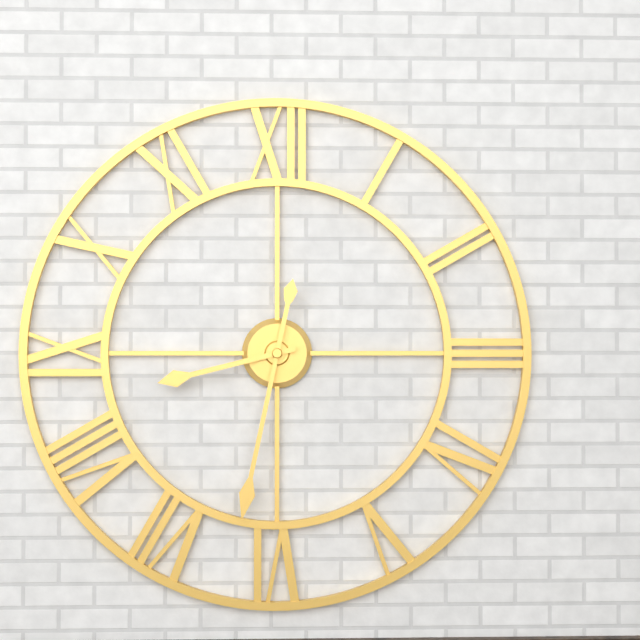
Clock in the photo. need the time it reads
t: 8:32
